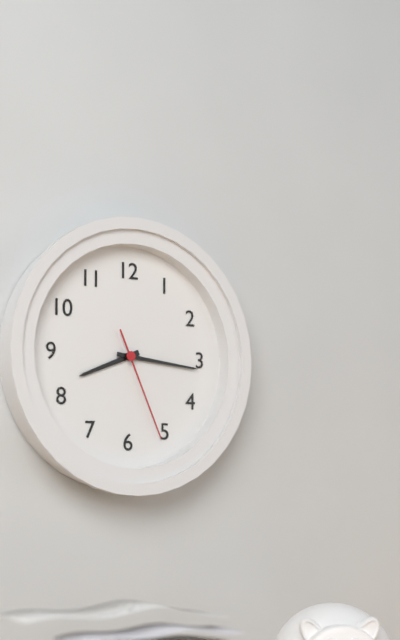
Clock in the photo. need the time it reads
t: 8:16:26
